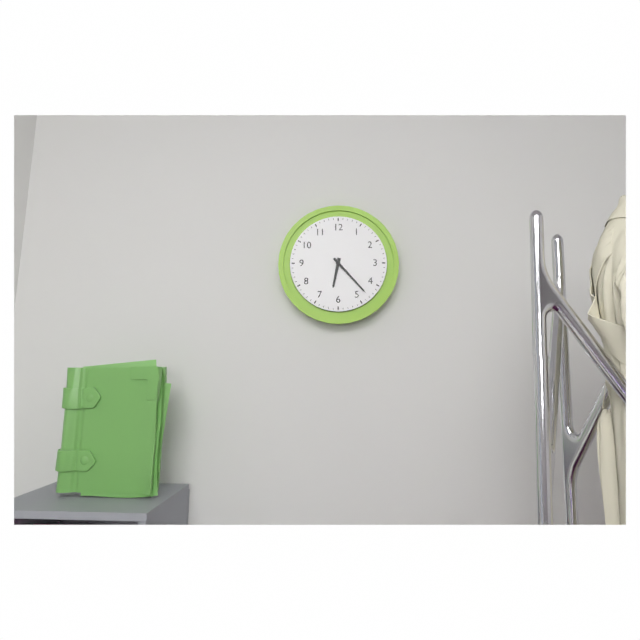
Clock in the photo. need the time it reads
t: 6:23
